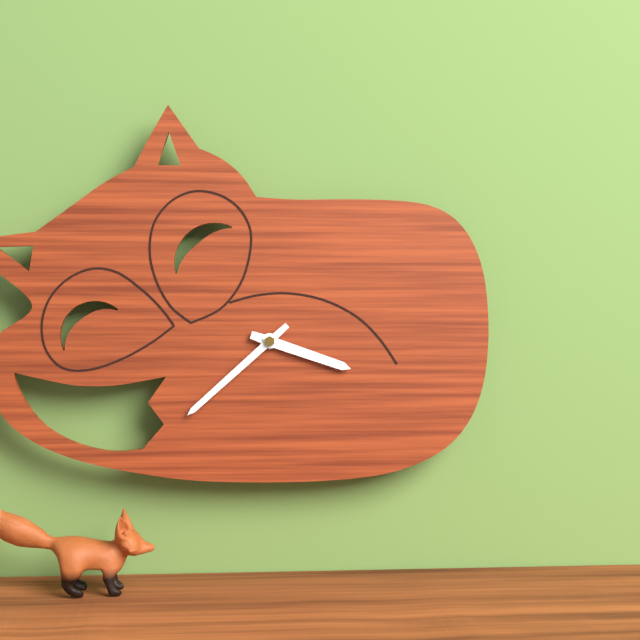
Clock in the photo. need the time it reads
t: 3:38
